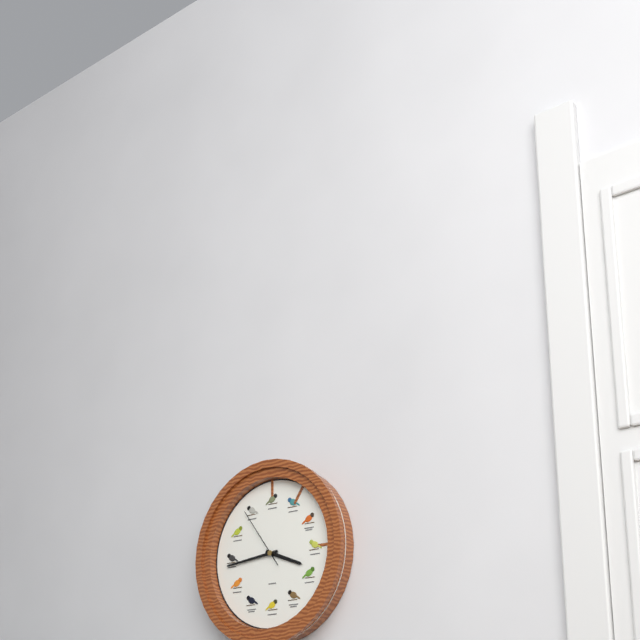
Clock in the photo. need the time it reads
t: 3:44:54
